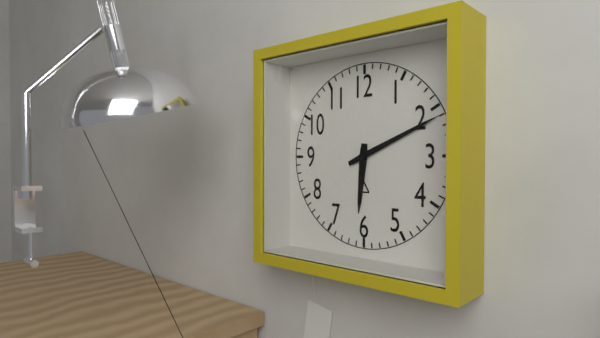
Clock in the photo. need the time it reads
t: 6:11
